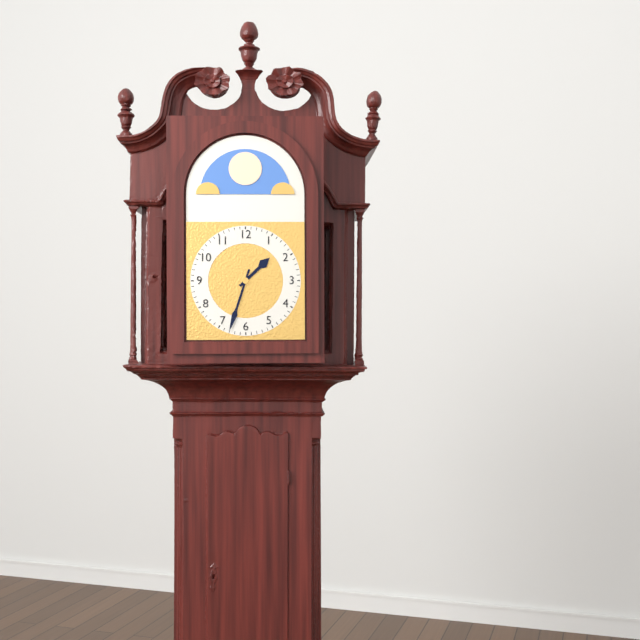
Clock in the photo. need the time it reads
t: 1:33
